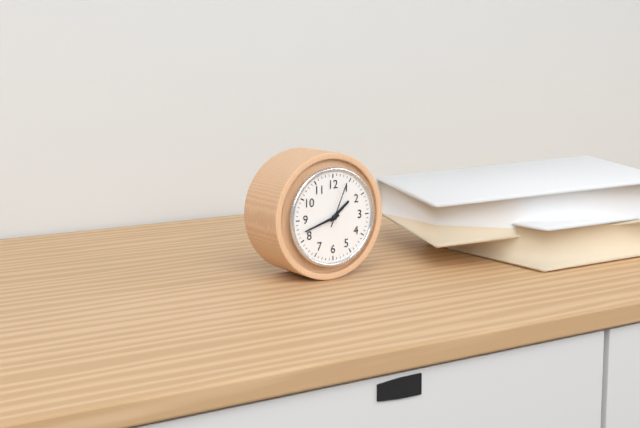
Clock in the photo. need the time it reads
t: 1:42
